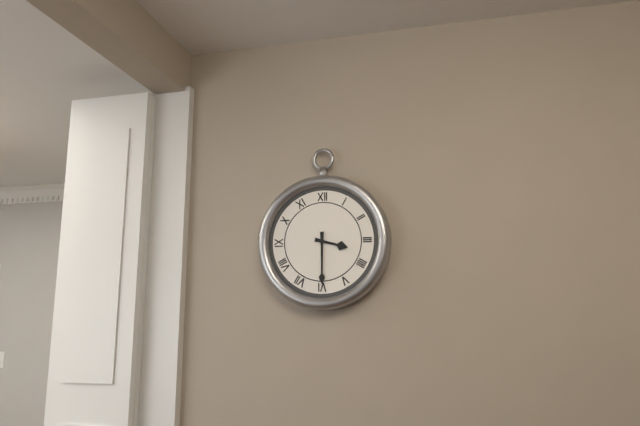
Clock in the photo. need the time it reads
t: 3:30
